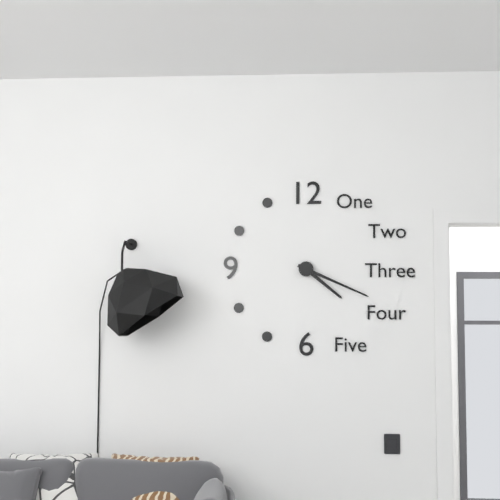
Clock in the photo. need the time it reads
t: 4:19
